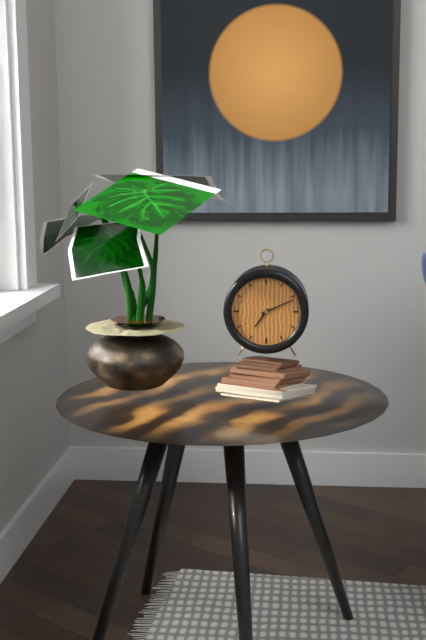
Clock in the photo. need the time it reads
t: 7:11
